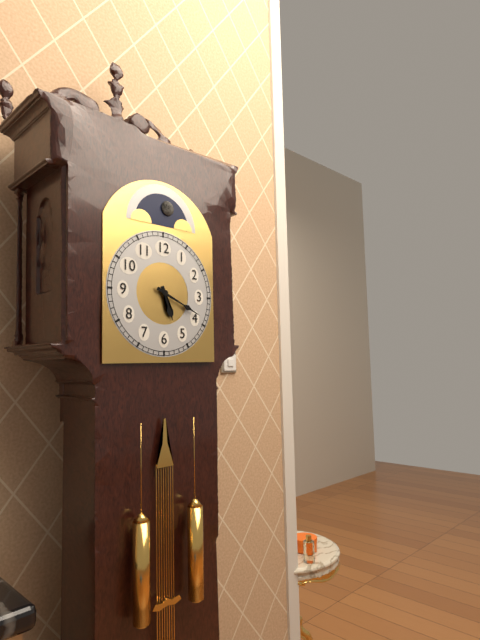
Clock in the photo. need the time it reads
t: 5:19
